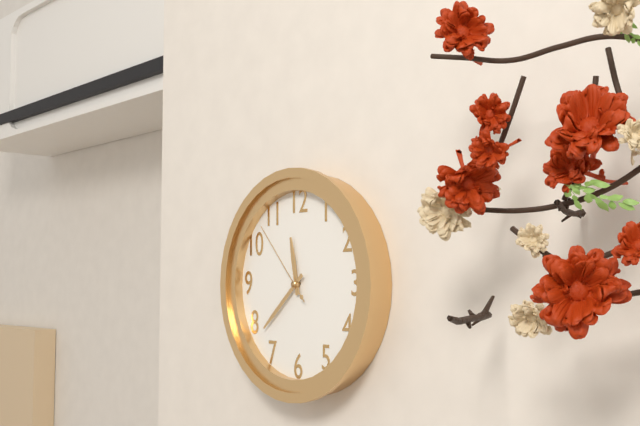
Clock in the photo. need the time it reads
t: 11:38:53
